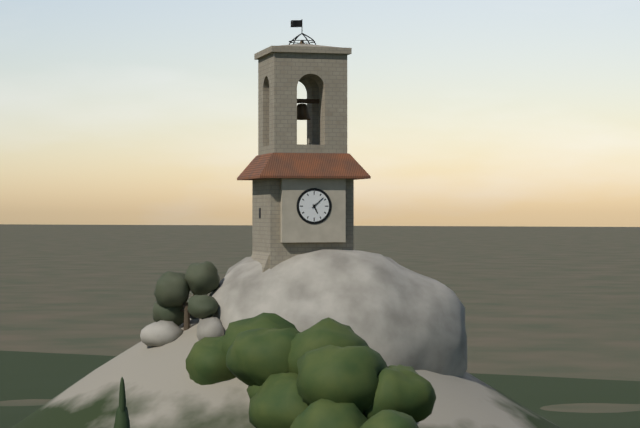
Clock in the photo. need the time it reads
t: 5:08
